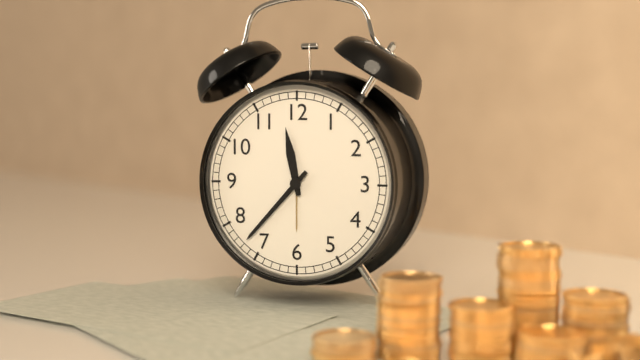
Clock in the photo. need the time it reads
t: 11:37
